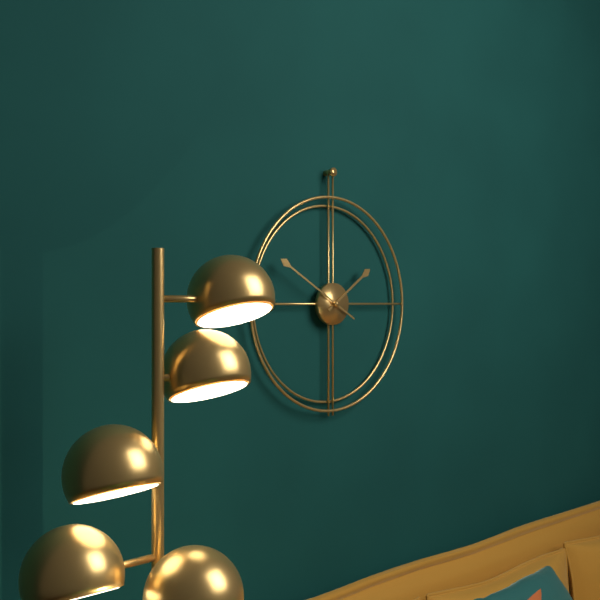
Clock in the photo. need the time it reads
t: 1:50
